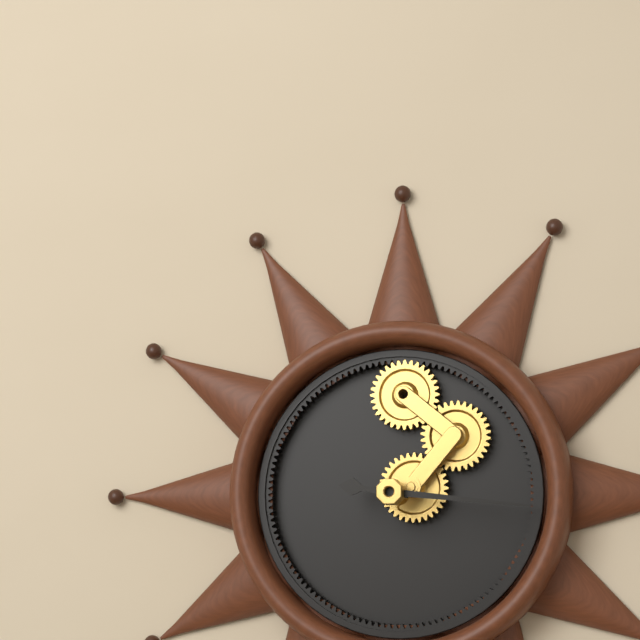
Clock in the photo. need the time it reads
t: 9:16
